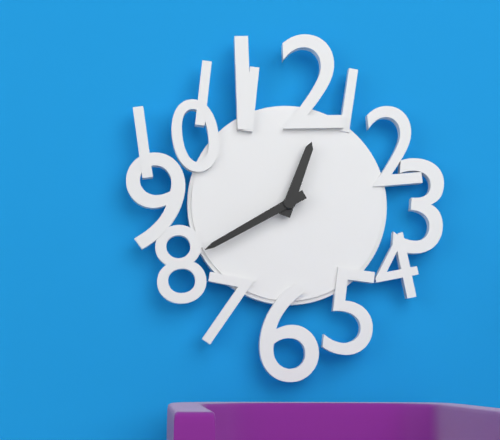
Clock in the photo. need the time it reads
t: 12:40
